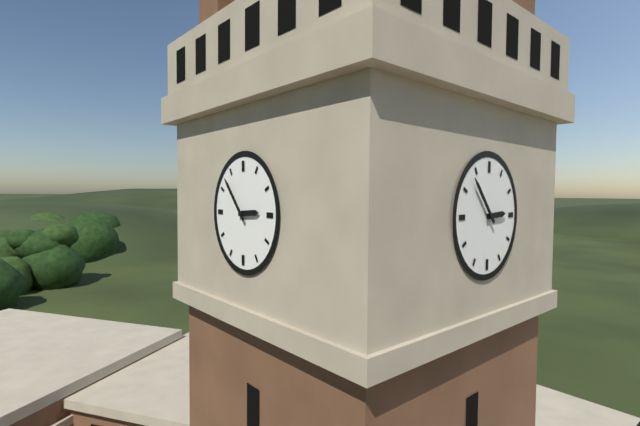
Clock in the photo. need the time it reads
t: 2:53
